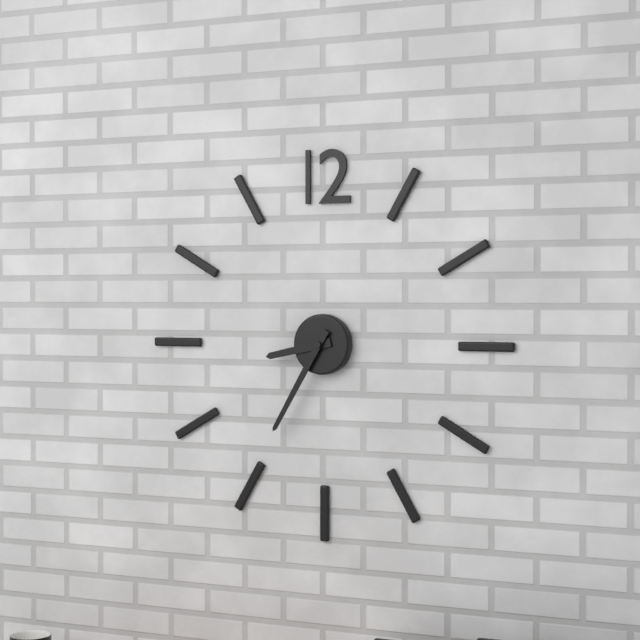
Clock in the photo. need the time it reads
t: 8:35
